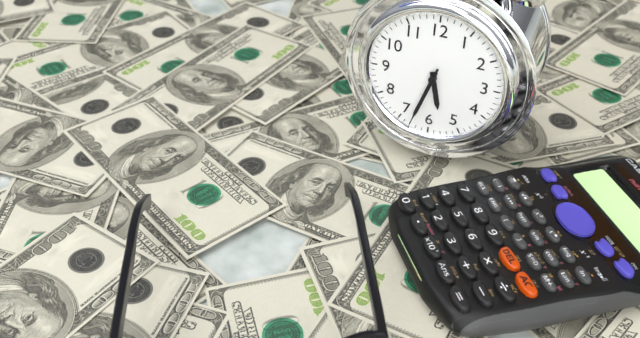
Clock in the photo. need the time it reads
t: 5:33:33
